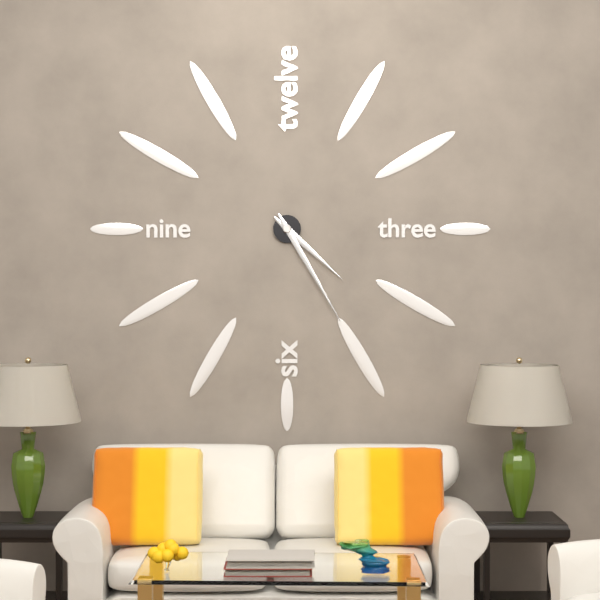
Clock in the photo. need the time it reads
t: 4:25
